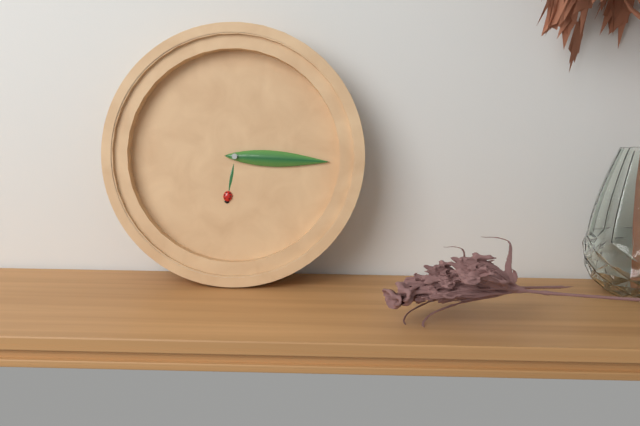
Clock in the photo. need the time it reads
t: 6:15
